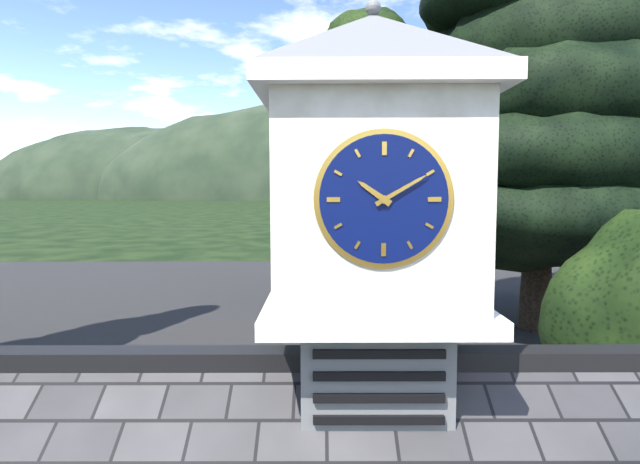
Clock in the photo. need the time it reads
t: 10:10
